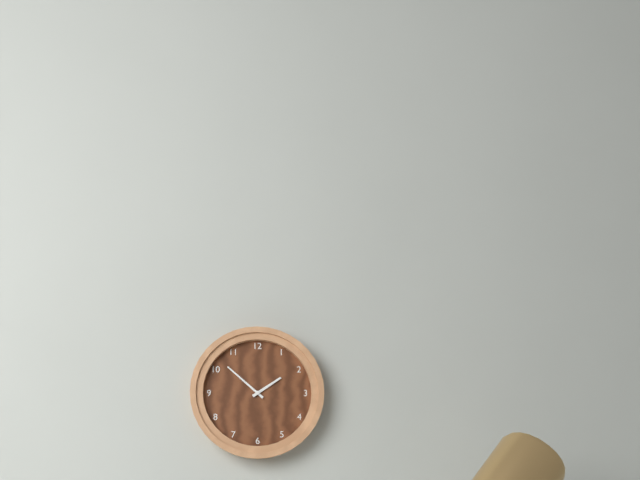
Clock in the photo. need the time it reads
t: 1:52
